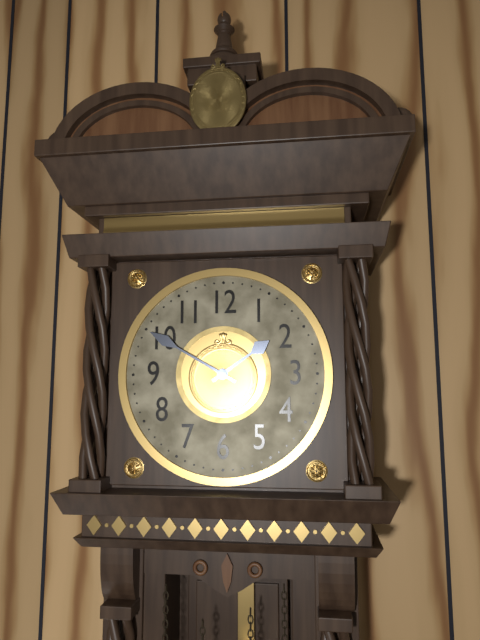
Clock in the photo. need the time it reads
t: 1:50
